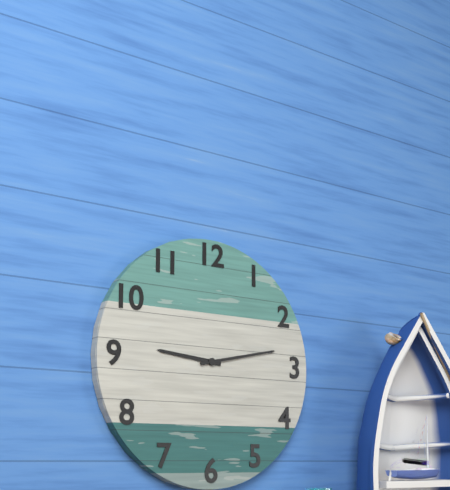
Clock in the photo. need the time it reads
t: 9:13
